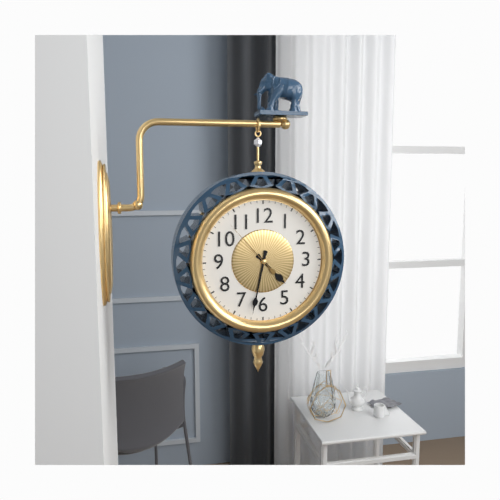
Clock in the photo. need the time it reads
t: 4:32:53
